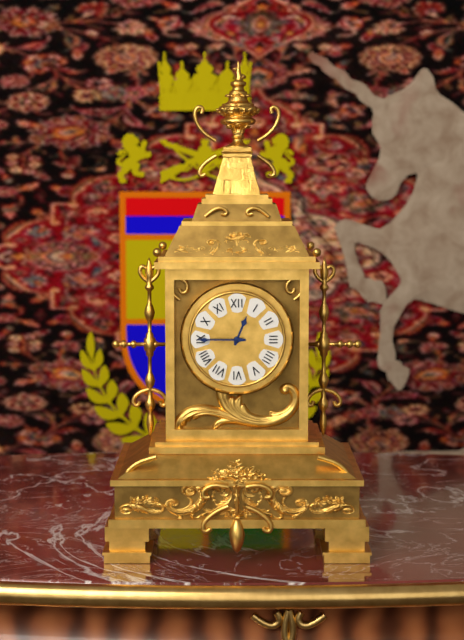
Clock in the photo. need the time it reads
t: 12:45
